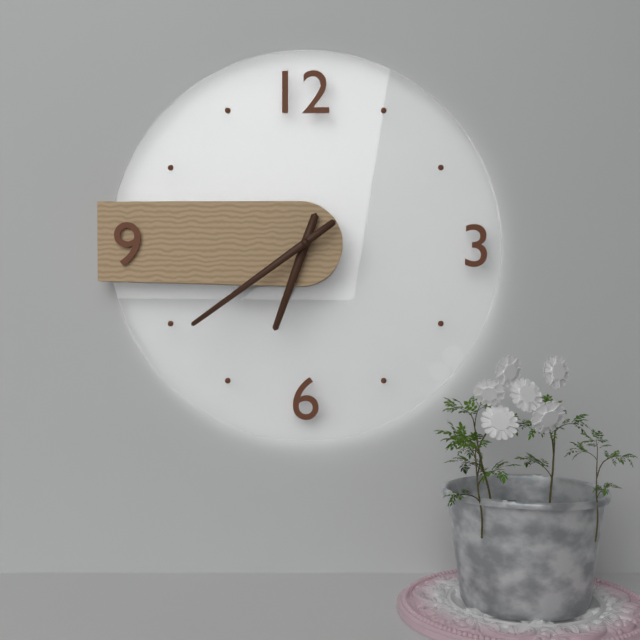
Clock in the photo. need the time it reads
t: 6:39
